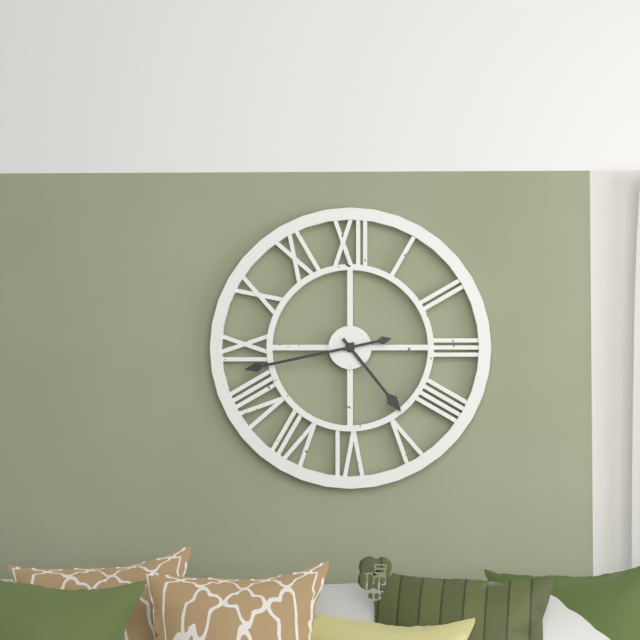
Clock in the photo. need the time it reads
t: 4:43
